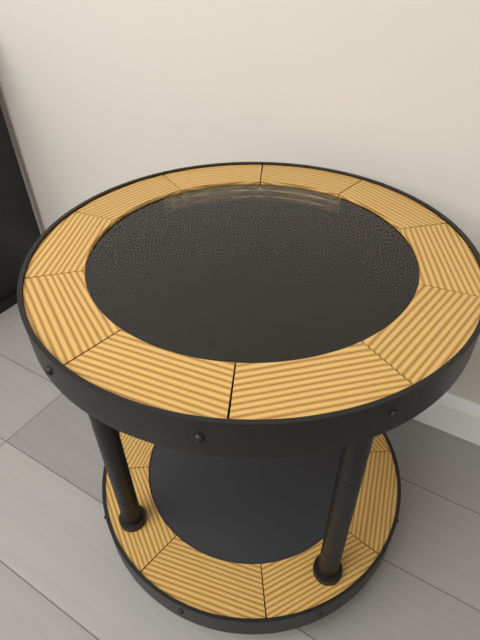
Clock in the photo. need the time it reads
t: 10:17
